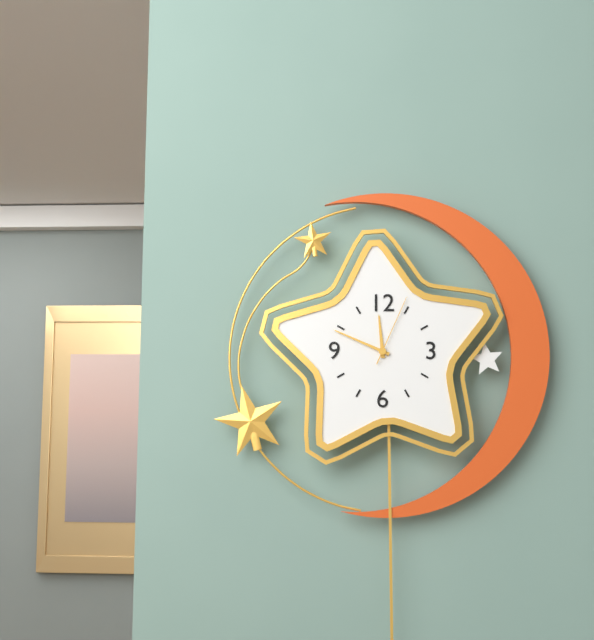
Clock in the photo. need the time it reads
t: 11:49:04
